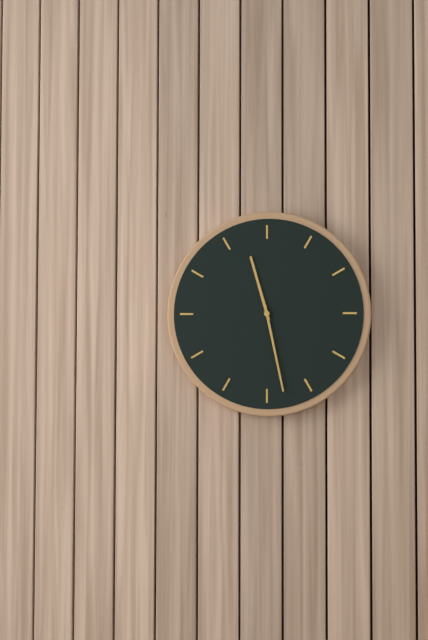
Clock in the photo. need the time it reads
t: 11:28
